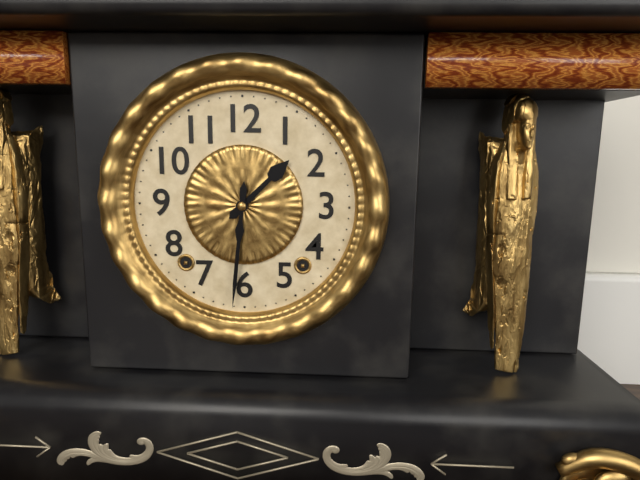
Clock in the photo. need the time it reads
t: 1:31
